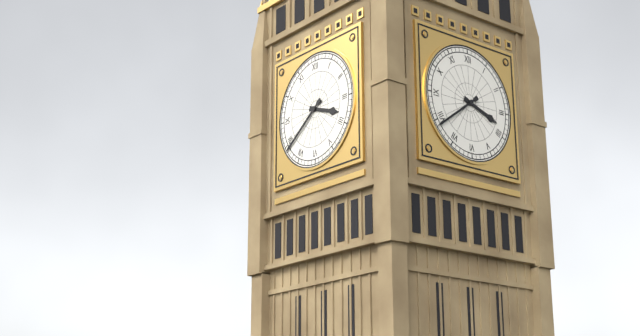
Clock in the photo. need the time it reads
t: 3:39
